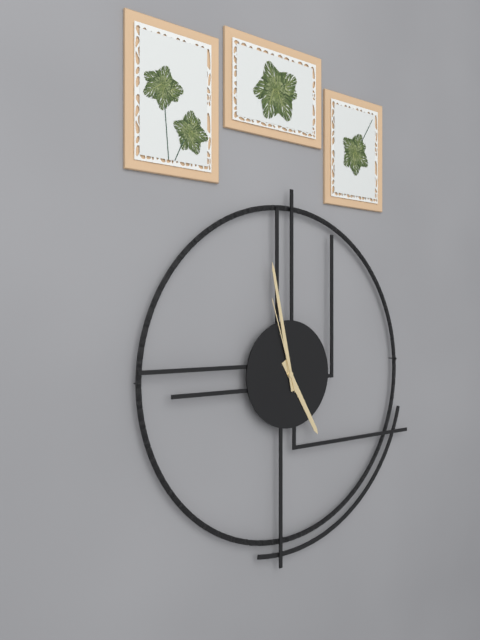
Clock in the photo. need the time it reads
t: 4:58:57
